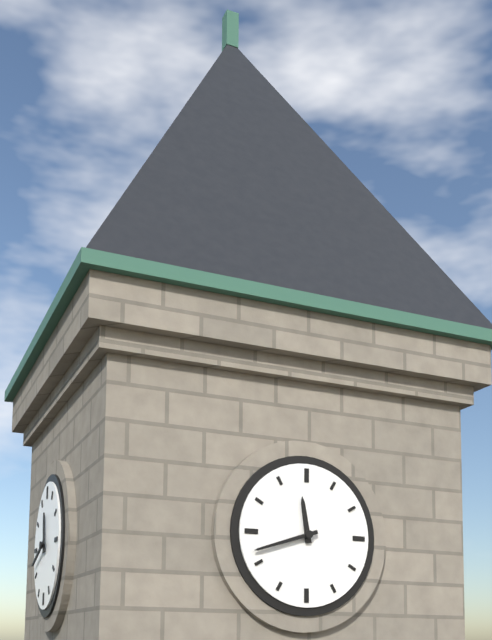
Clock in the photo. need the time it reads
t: 11:42
